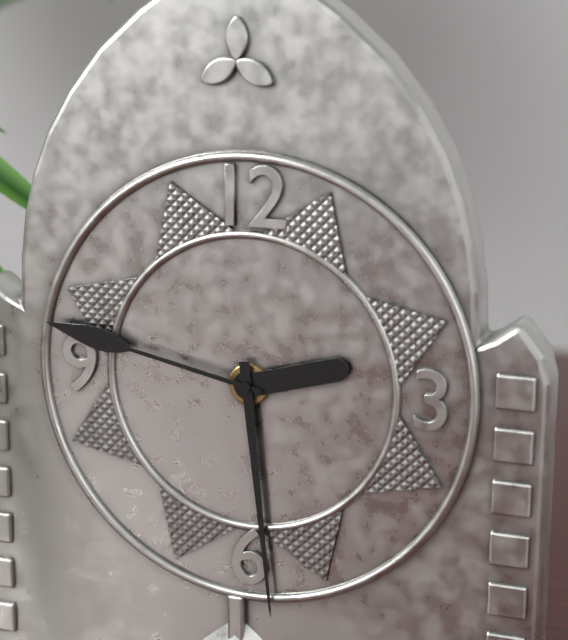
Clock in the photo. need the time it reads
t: 2:29:47
